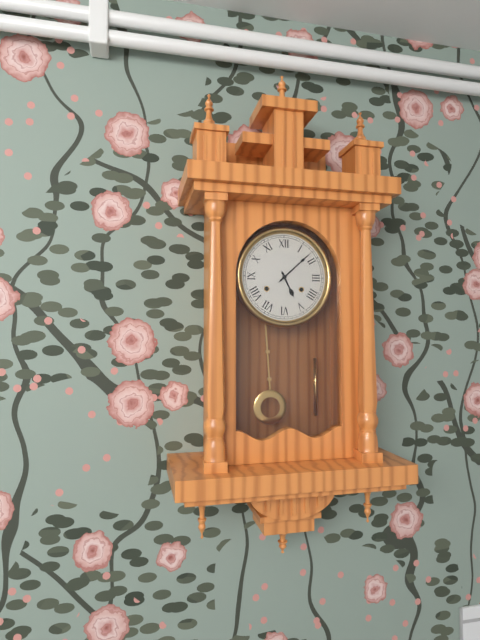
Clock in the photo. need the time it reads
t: 5:08
